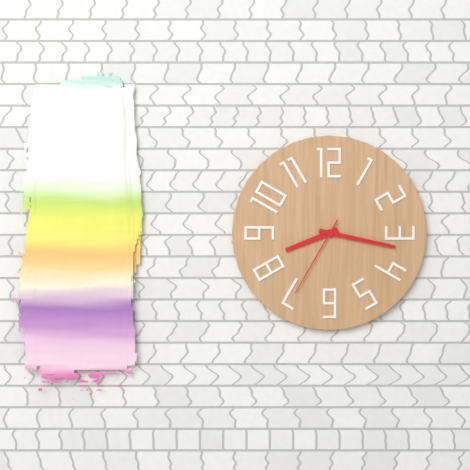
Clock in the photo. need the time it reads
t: 8:17:35
